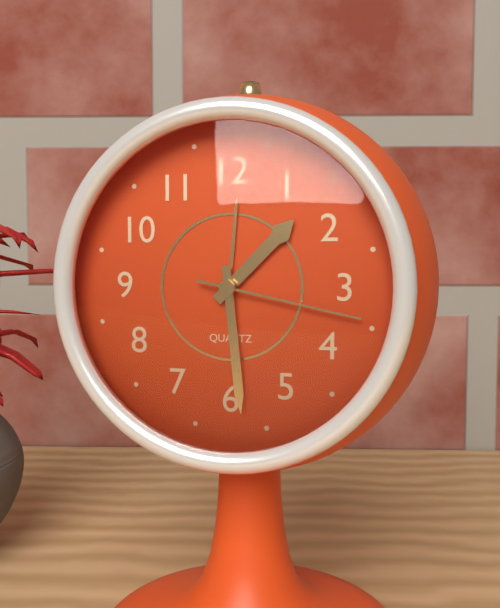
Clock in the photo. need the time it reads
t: 1:29:17
